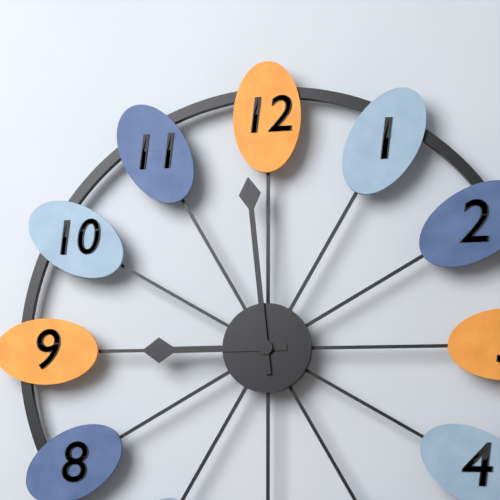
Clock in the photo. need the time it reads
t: 8:59
